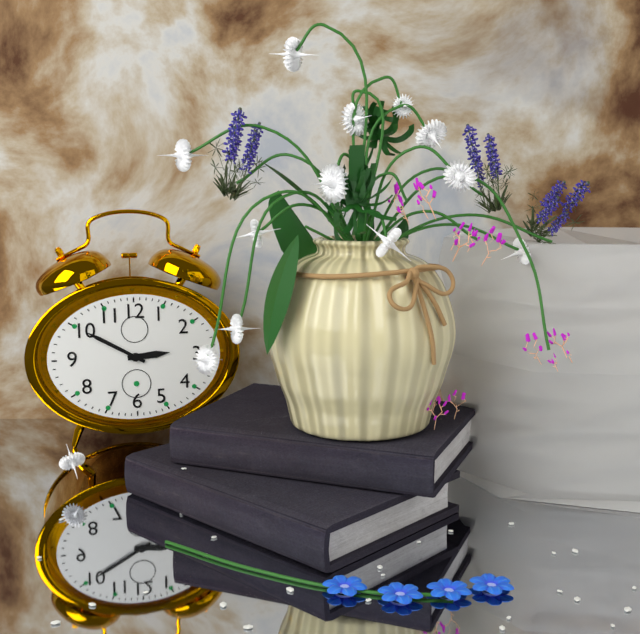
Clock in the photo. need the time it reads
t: 2:50
